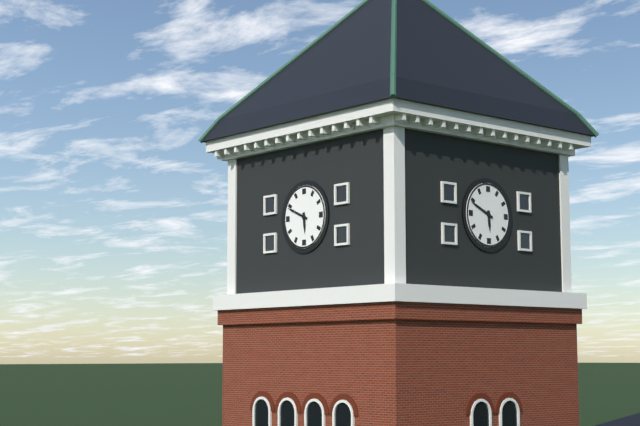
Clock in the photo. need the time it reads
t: 5:49
